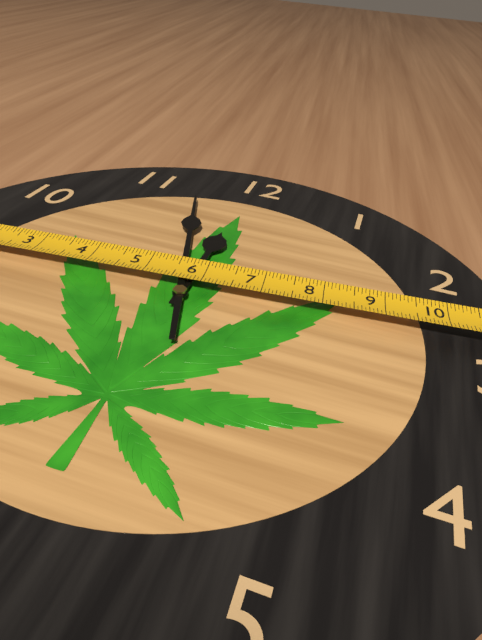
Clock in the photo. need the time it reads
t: 11:57
